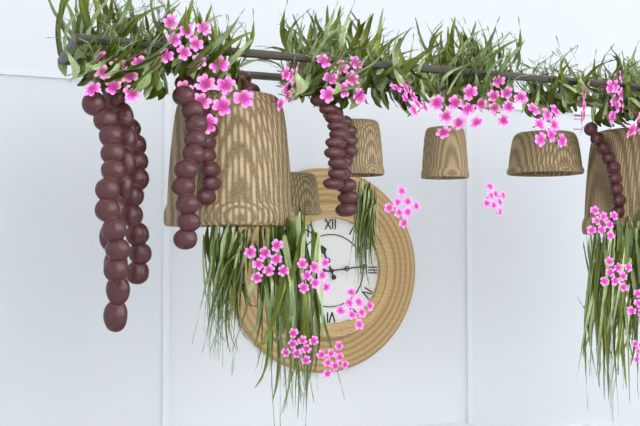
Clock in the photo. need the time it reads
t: 11:14
